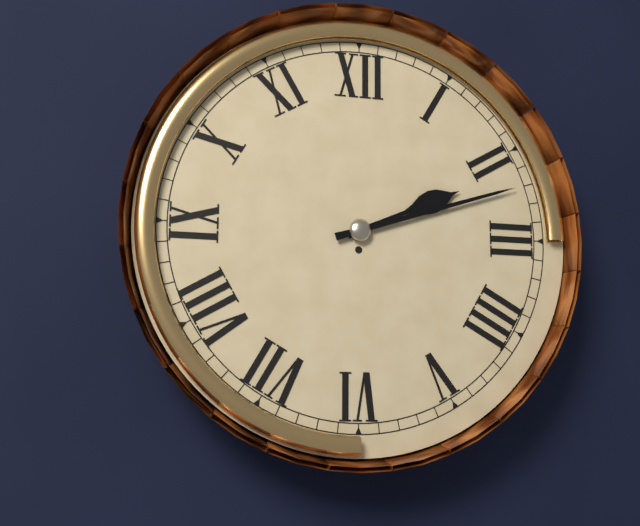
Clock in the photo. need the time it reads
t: 2:12
